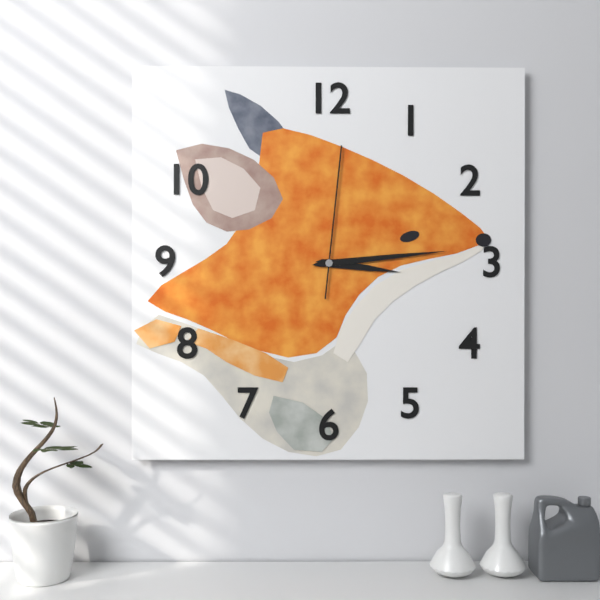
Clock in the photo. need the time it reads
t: 3:14:01
